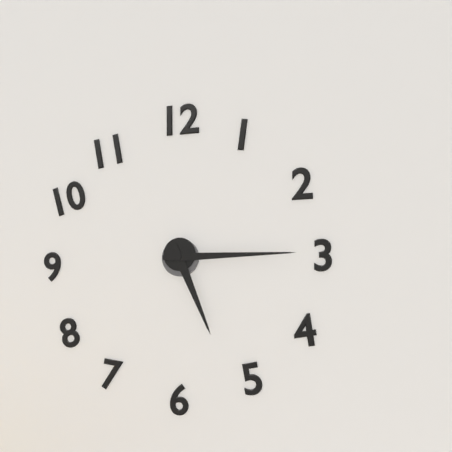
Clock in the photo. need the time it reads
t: 5:15
